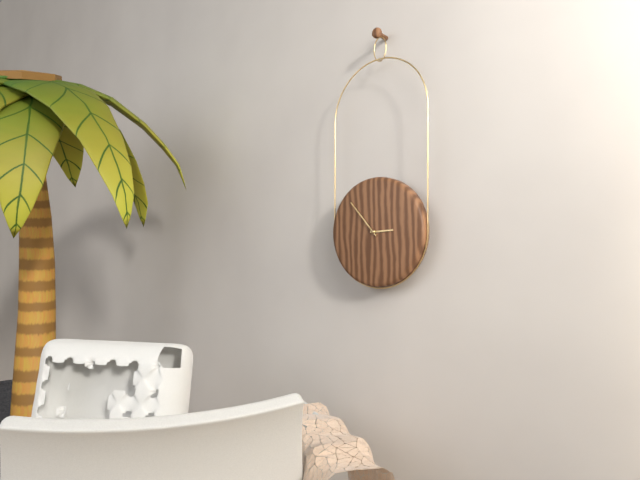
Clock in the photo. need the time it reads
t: 2:53
